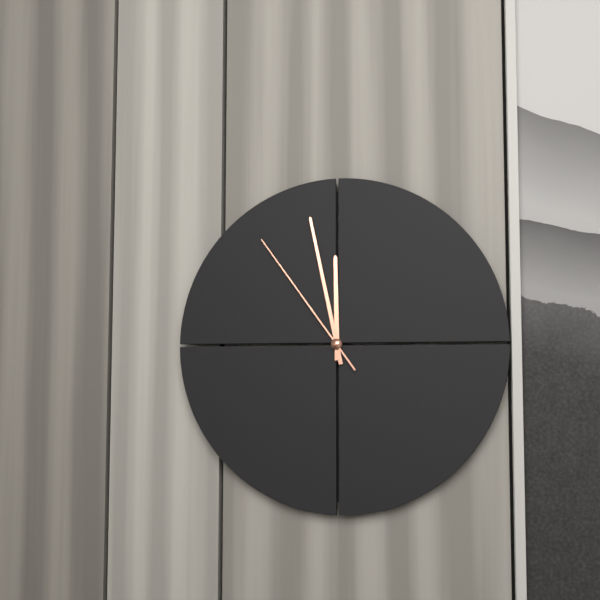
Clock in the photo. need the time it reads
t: 11:58:54
